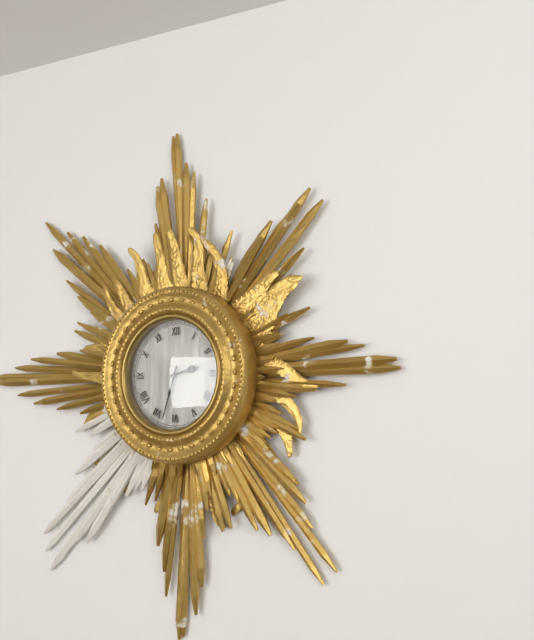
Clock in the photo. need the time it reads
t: 2:33
